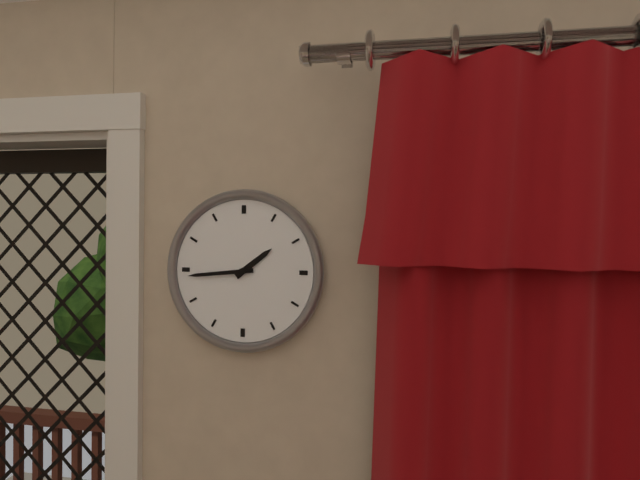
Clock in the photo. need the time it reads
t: 1:44
